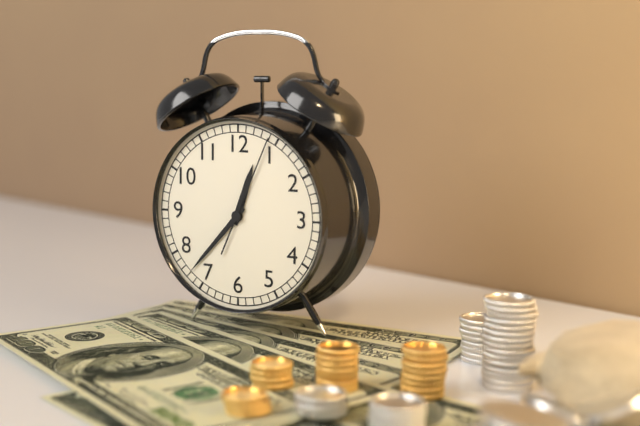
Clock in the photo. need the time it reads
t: 12:37:04
